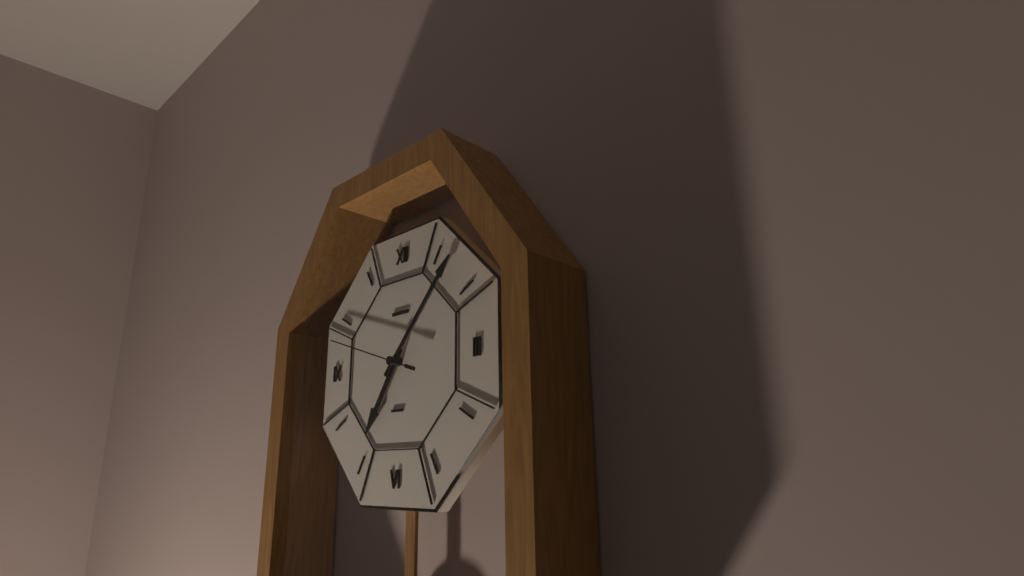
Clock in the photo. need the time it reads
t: 7:07:48
